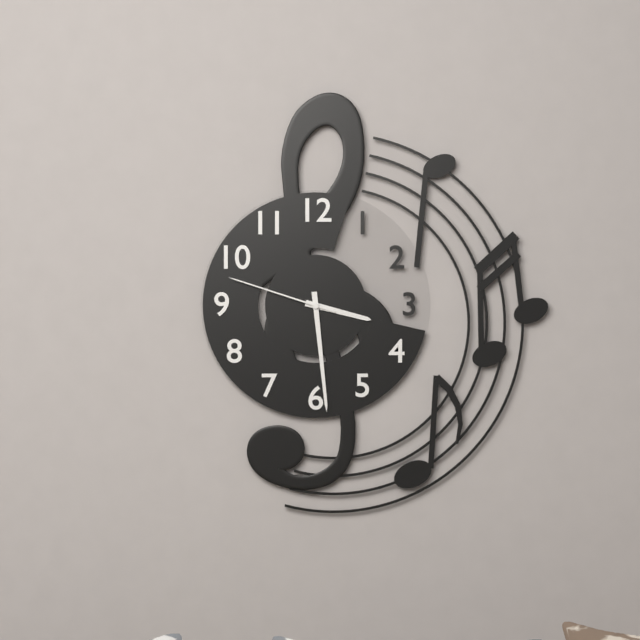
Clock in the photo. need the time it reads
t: 3:29:48
